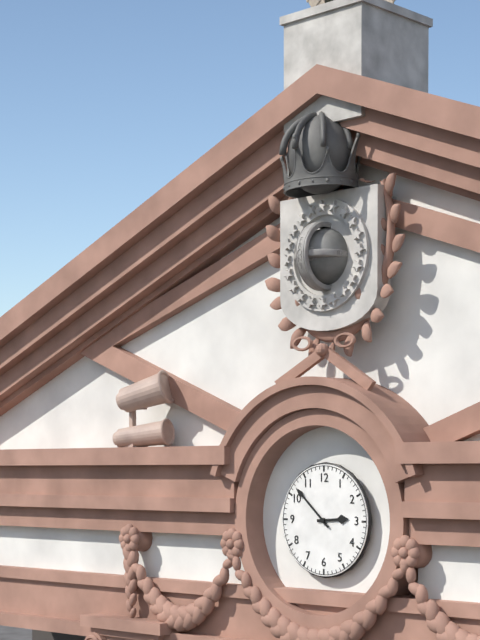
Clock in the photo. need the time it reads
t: 2:52
